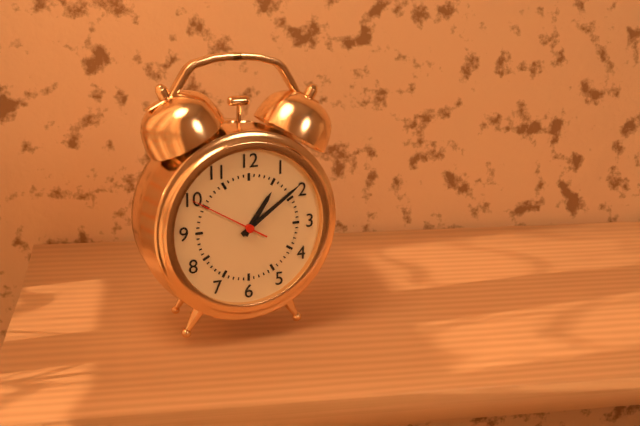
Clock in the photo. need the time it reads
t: 1:09:50
